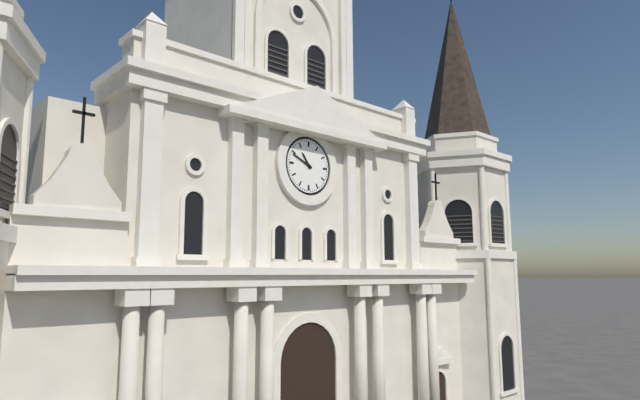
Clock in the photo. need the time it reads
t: 10:49
